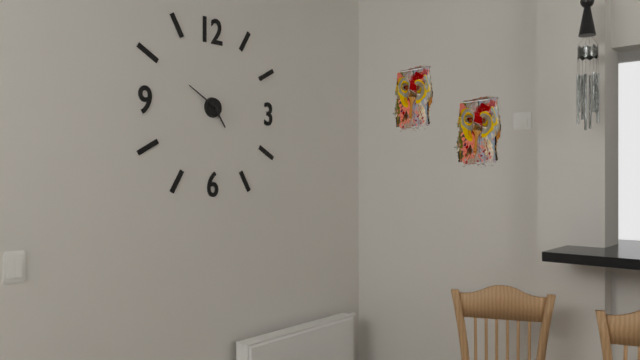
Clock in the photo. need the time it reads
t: 4:50
